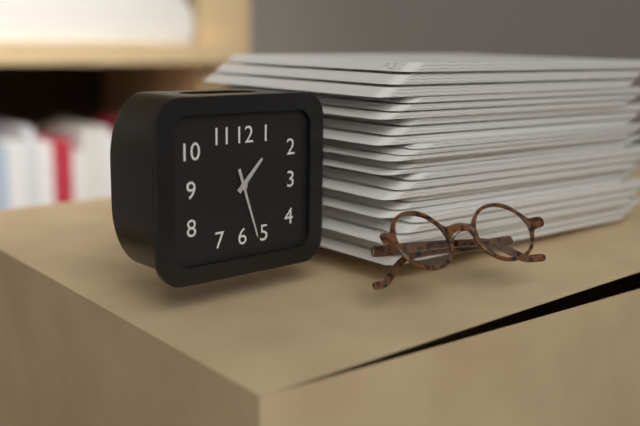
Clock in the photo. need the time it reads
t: 1:27
